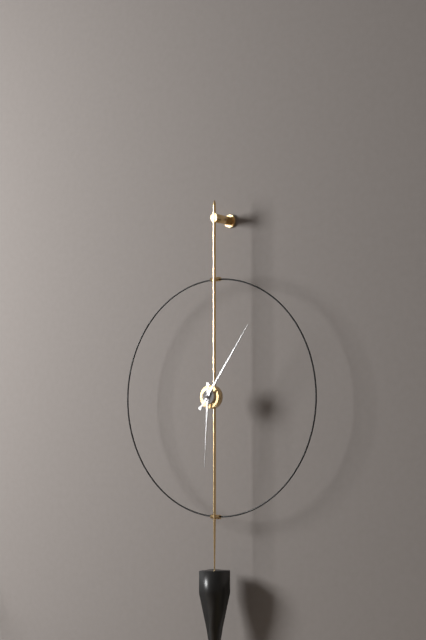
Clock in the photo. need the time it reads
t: 6:06
